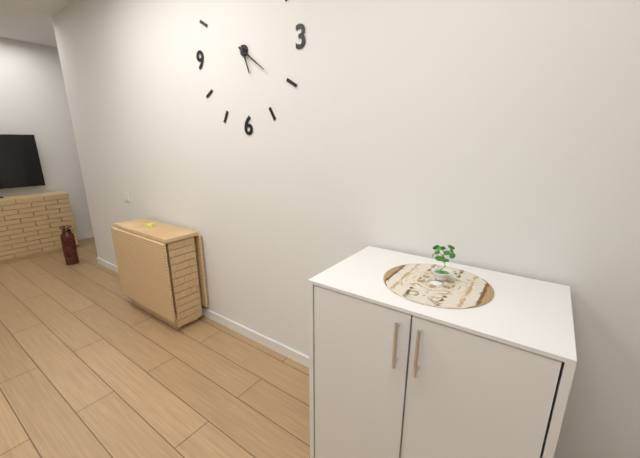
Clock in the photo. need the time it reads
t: 5:21
